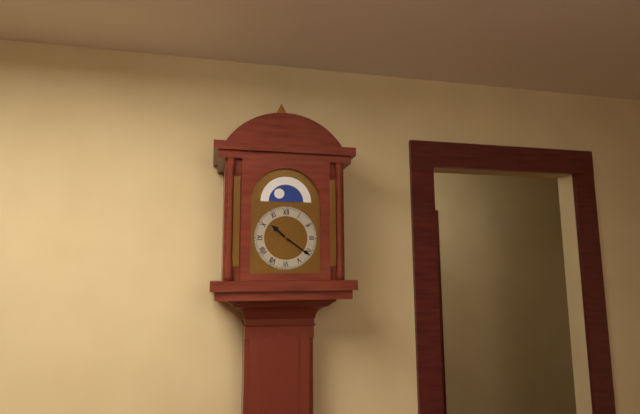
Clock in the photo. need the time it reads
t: 10:21
